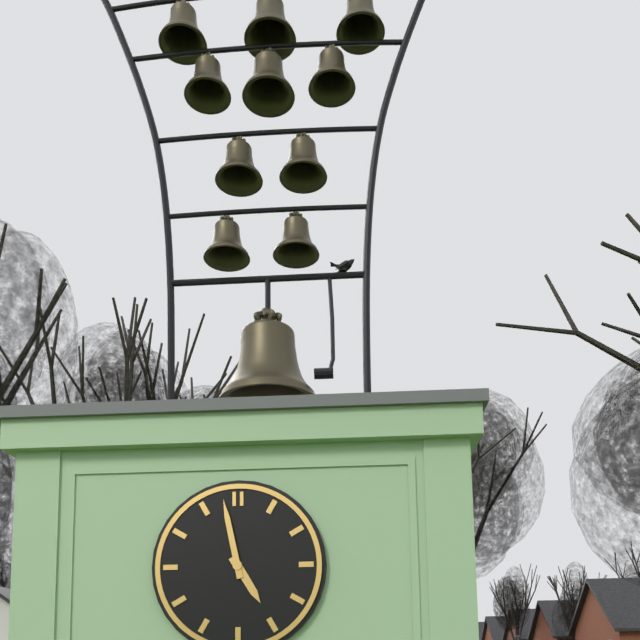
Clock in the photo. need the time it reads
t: 4:58
